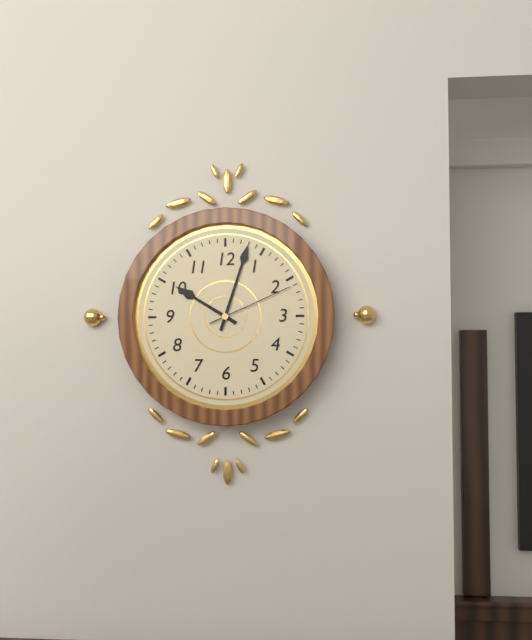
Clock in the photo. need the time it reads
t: 10:03:11
